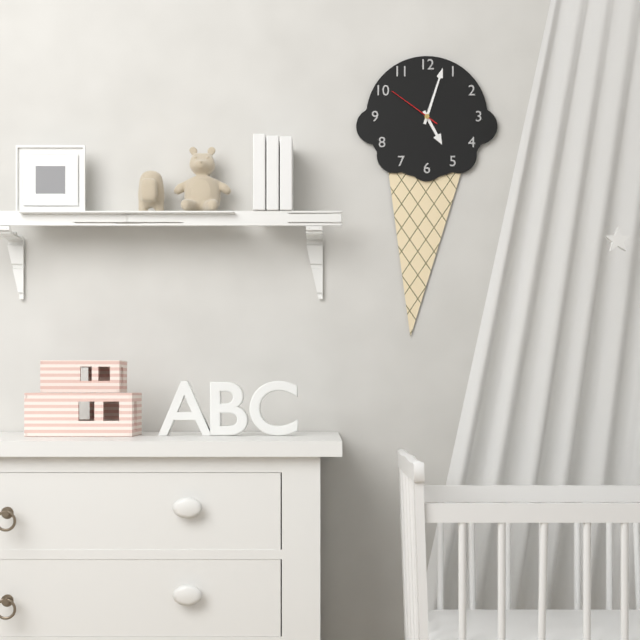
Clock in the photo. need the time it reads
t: 5:03:51
